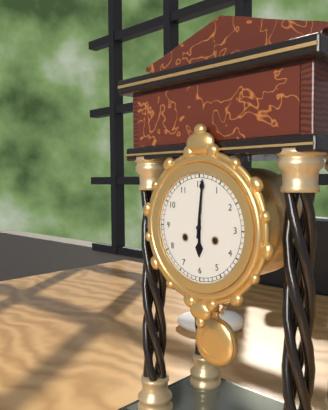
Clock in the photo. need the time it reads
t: 6:01
